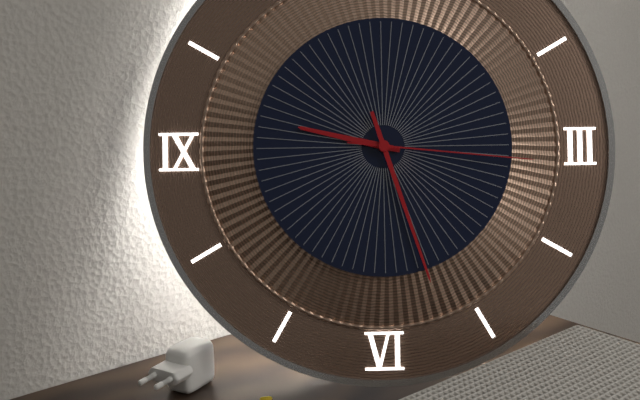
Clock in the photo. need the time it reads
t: 9:27:16
